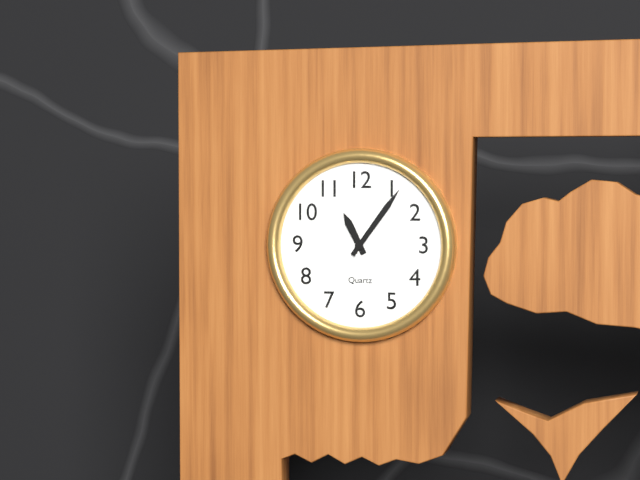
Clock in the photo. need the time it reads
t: 11:06
